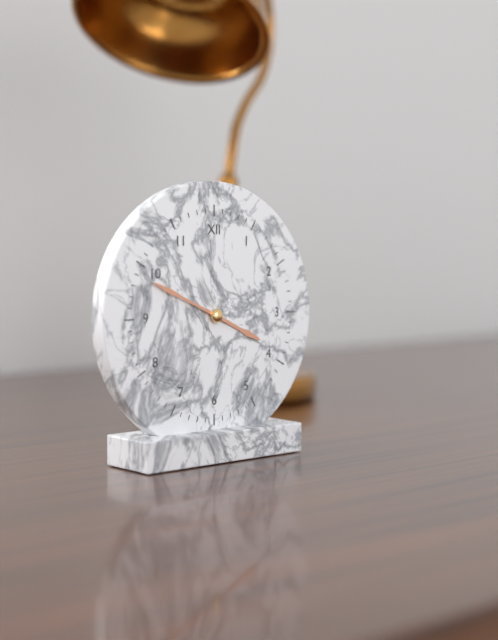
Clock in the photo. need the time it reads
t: 3:49
